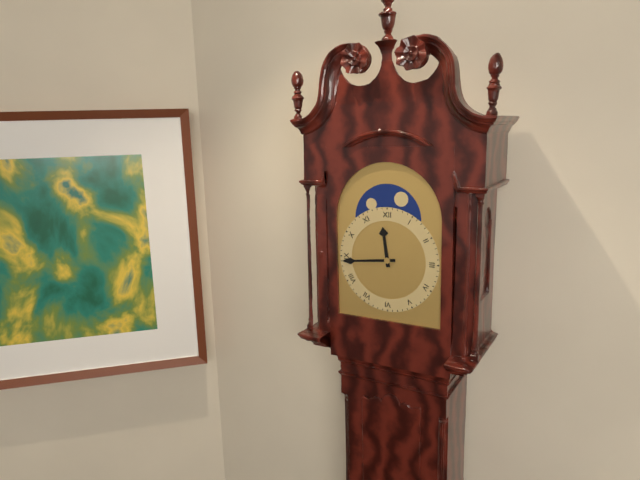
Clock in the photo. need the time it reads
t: 11:44
